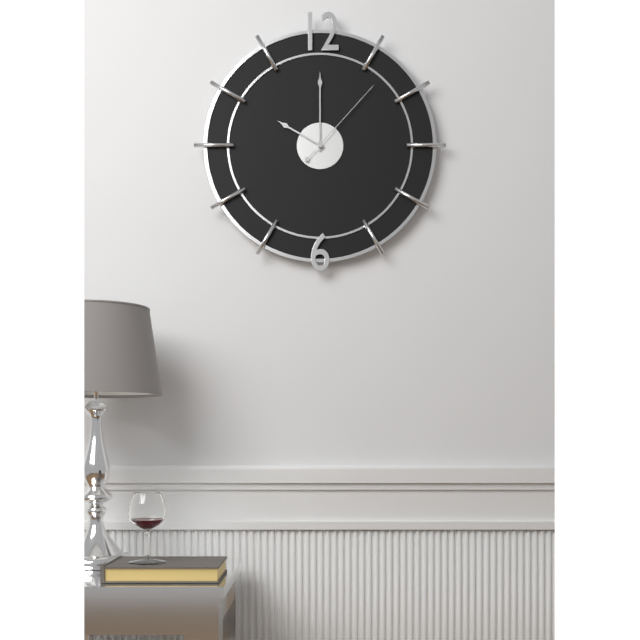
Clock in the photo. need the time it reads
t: 10:00:07
